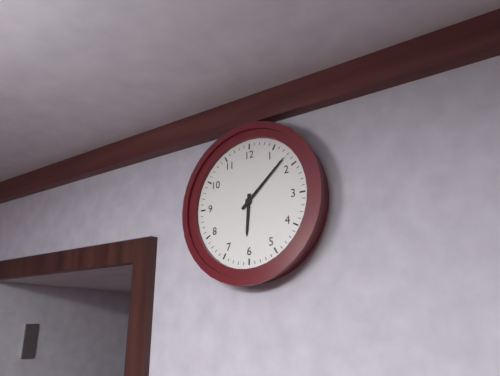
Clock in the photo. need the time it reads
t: 6:08
